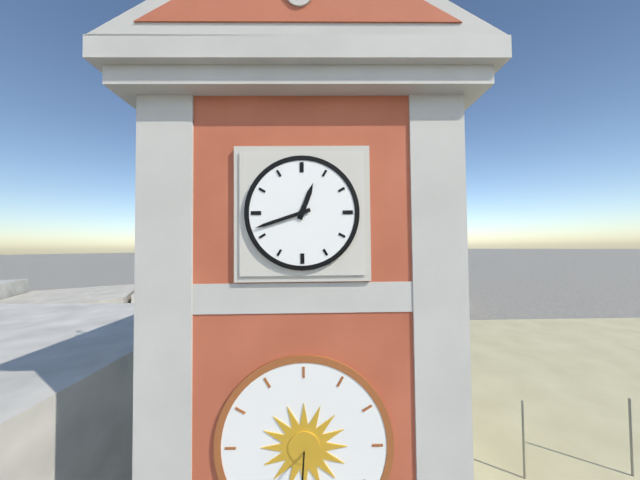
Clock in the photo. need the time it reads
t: 12:42
